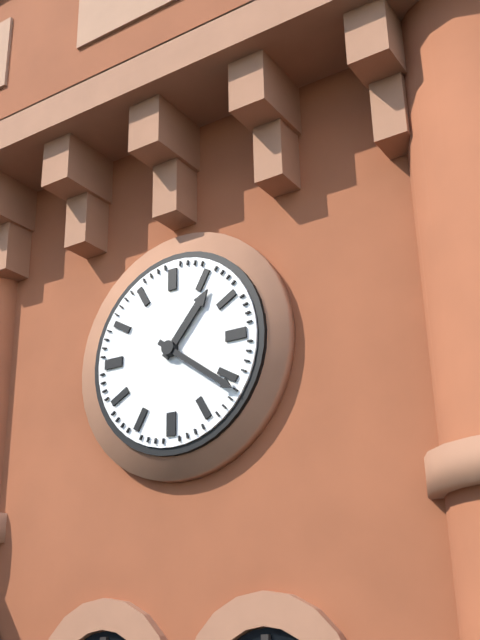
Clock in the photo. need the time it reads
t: 1:21
